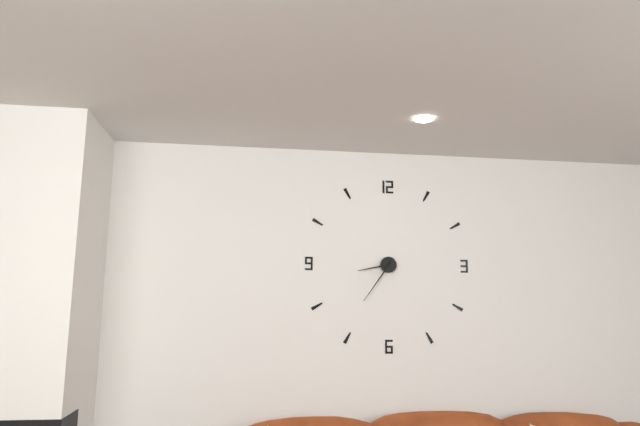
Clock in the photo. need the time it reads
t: 8:36
